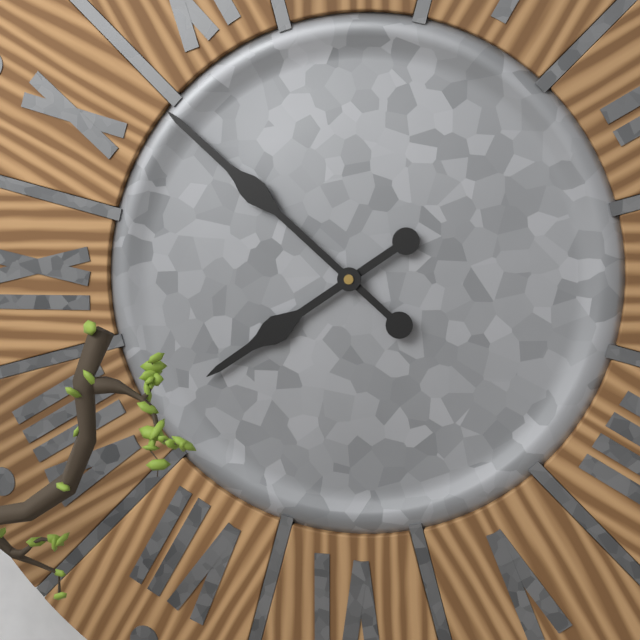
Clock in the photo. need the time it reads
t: 7:52
